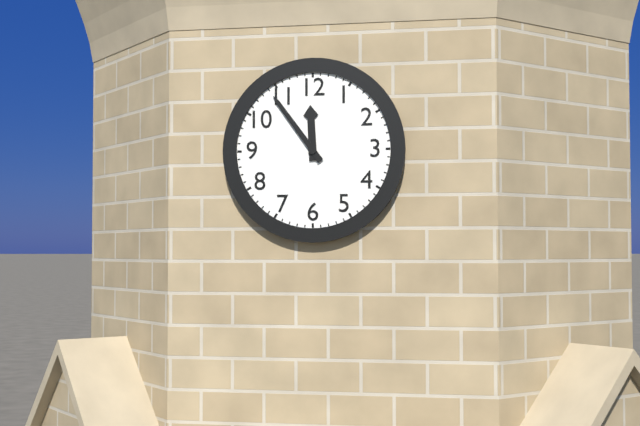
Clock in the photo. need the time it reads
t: 11:54
